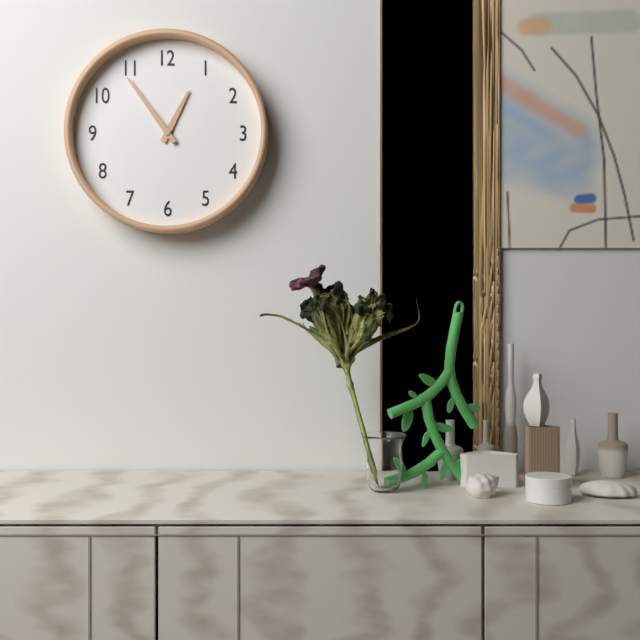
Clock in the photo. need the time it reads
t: 12:54
